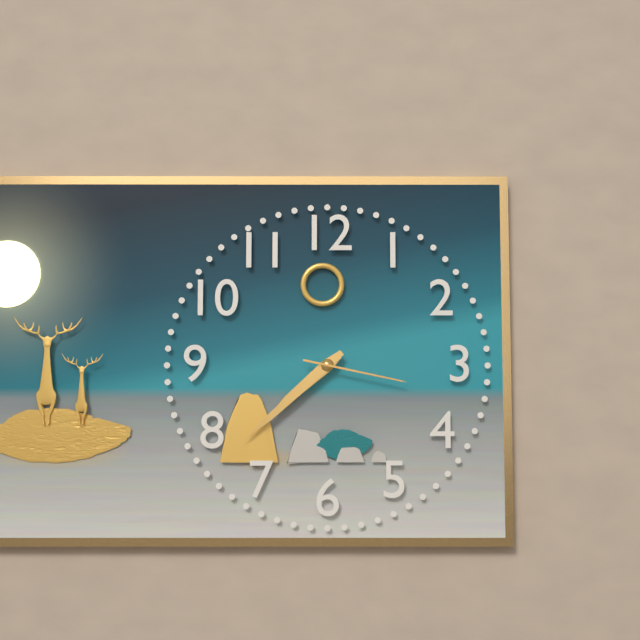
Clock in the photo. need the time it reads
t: 7:38:17
